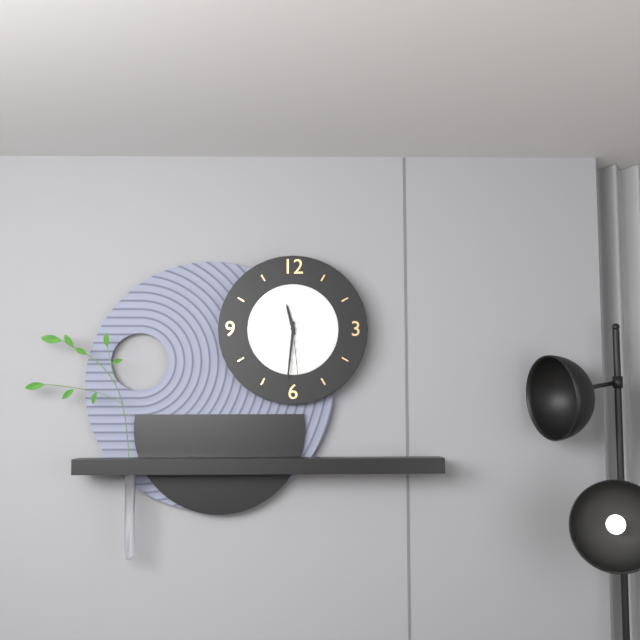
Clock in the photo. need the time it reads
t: 11:31:29
